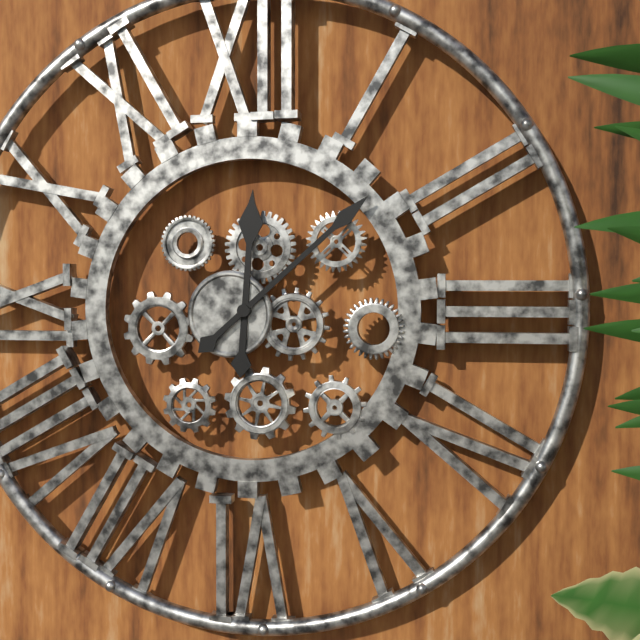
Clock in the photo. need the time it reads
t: 12:08
